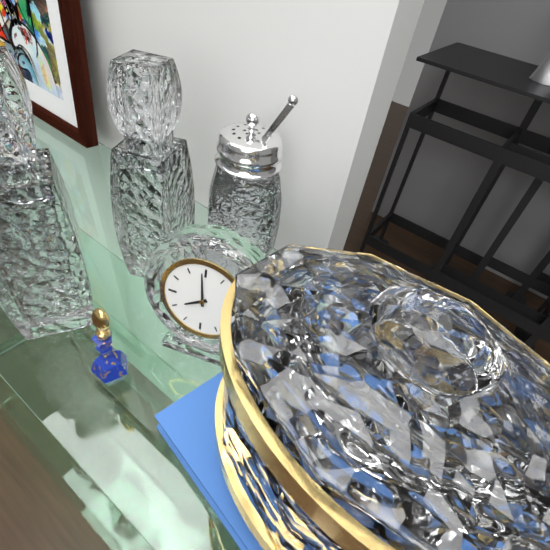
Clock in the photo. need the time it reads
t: 7:59
